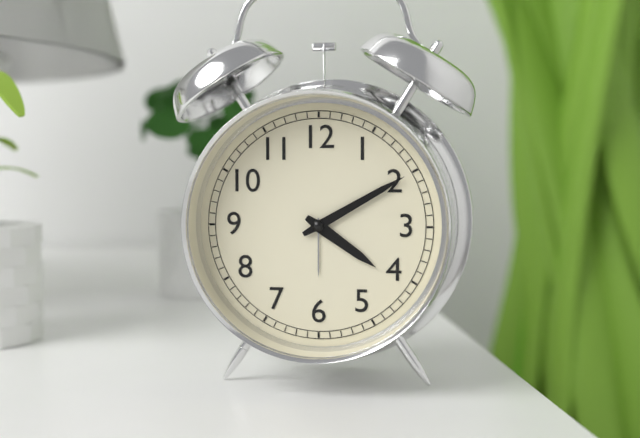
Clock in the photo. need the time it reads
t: 4:10
